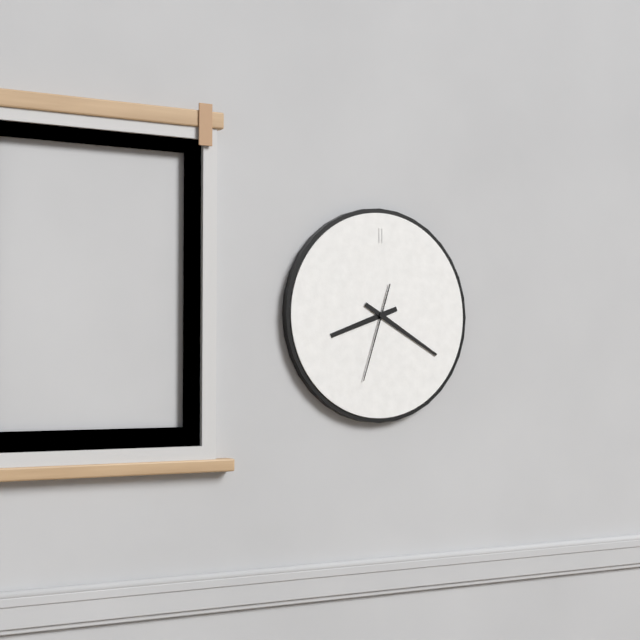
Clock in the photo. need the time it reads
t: 8:20:33
